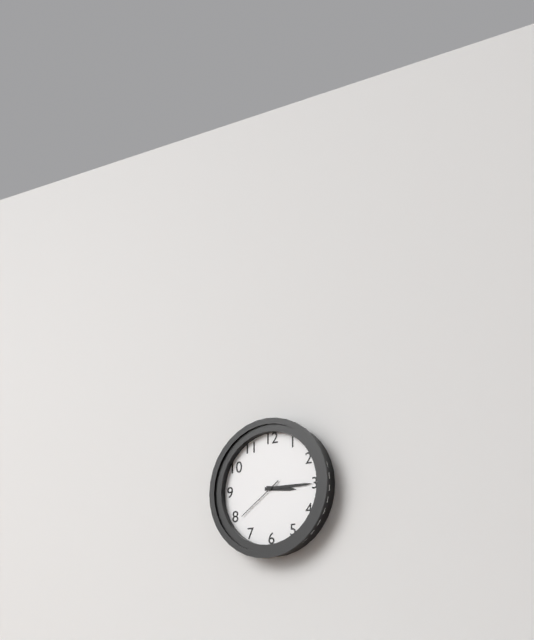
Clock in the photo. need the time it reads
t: 3:15:39
